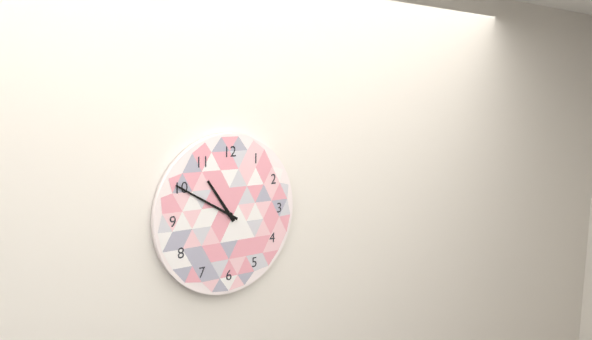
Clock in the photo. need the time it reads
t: 10:50
